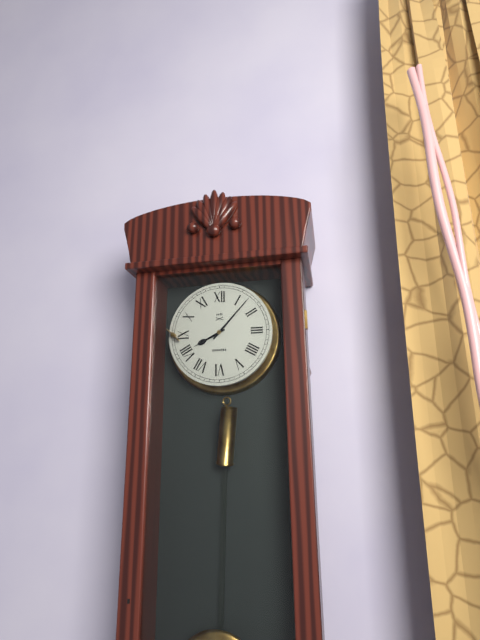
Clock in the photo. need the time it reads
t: 8:07
